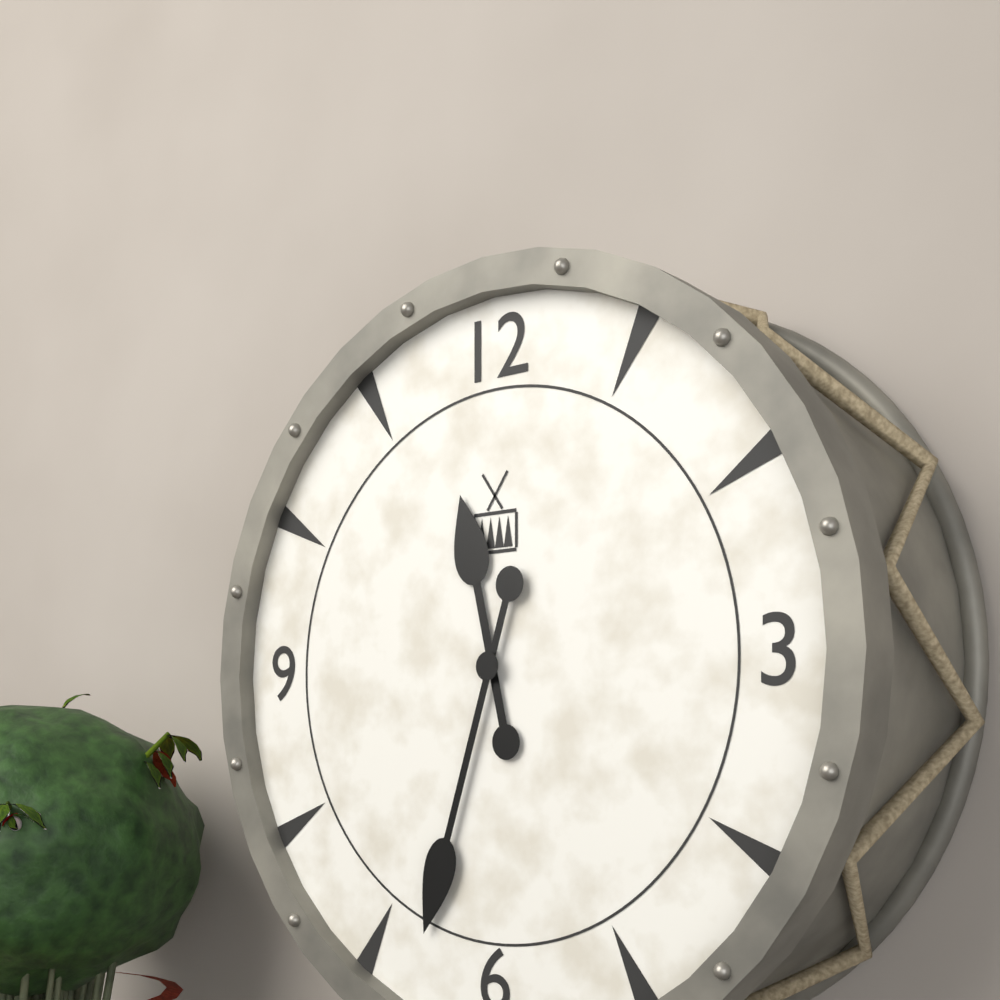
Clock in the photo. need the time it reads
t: 11:33
